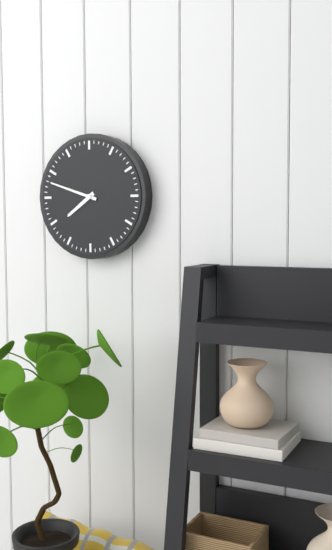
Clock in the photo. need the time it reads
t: 7:48
